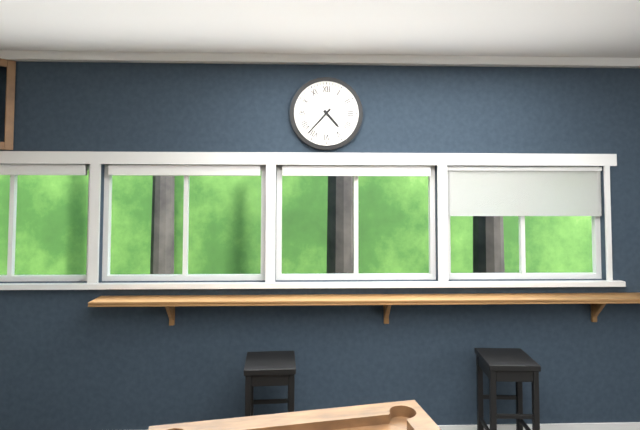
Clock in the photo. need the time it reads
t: 4:37
